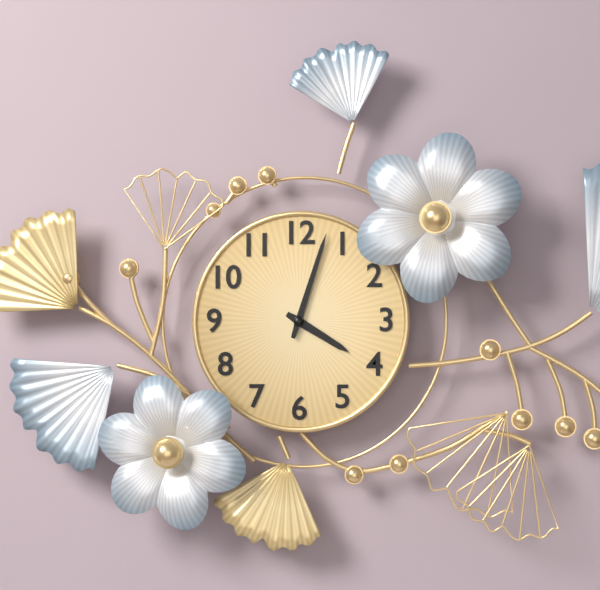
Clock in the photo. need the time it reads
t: 4:03
